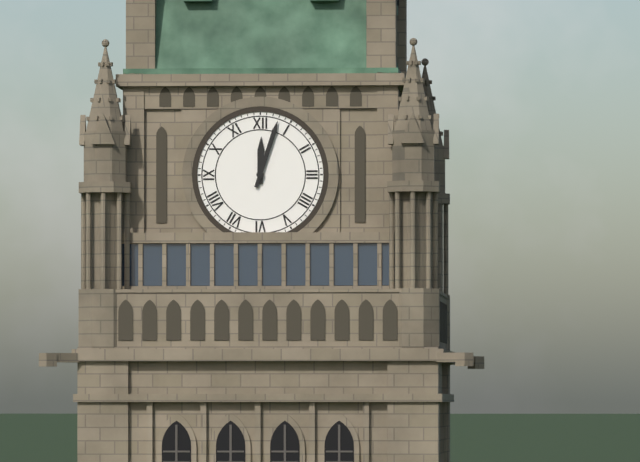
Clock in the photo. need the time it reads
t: 12:03
